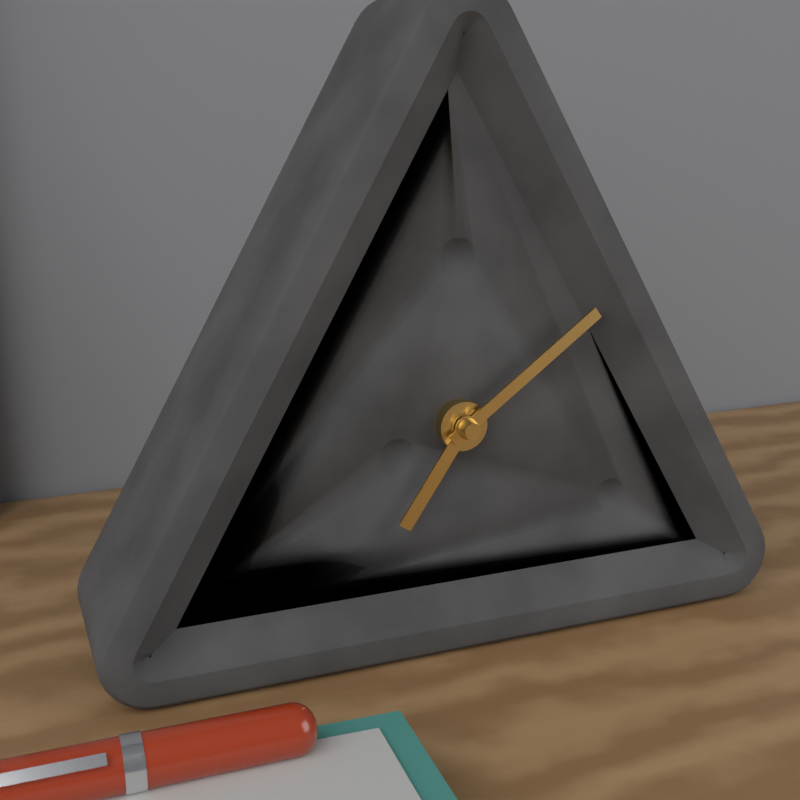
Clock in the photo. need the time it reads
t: 7:09
